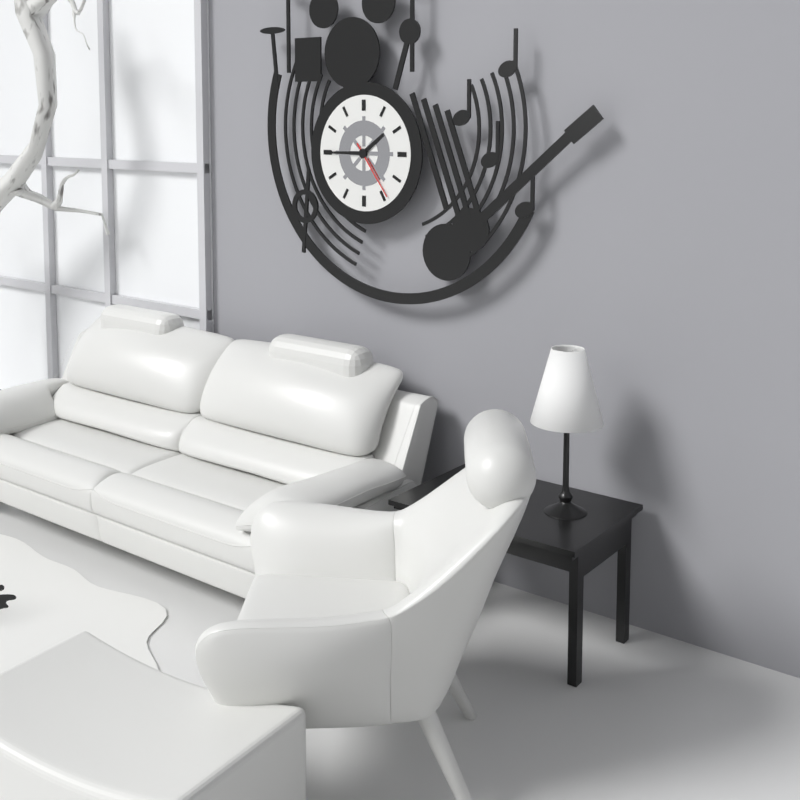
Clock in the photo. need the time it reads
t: 1:45:24
